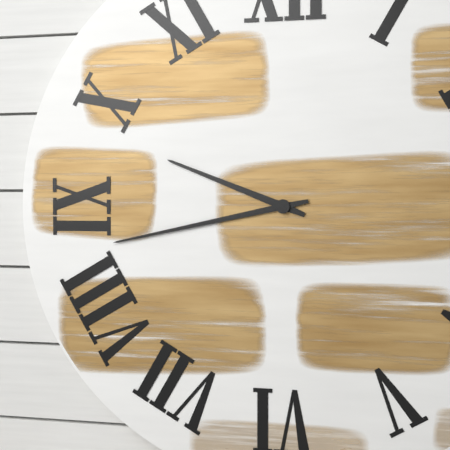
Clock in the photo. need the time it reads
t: 9:43
